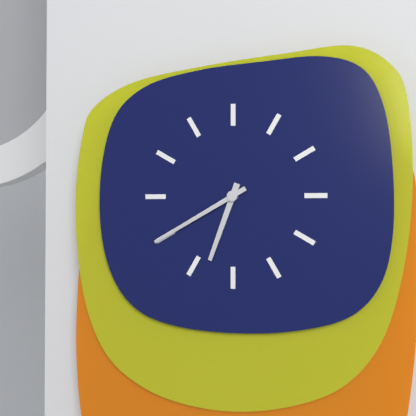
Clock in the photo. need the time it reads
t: 6:40
